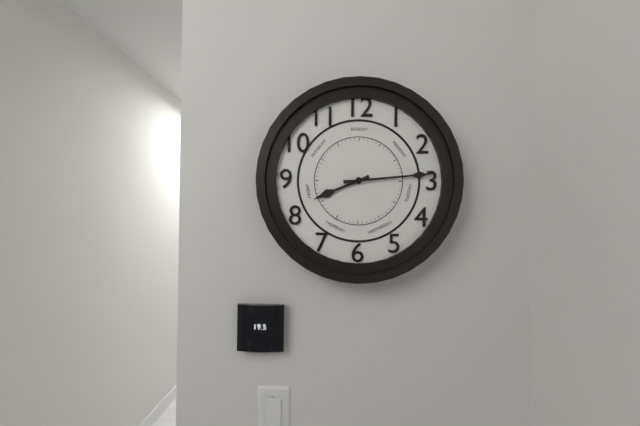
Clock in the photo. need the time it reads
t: 8:14
